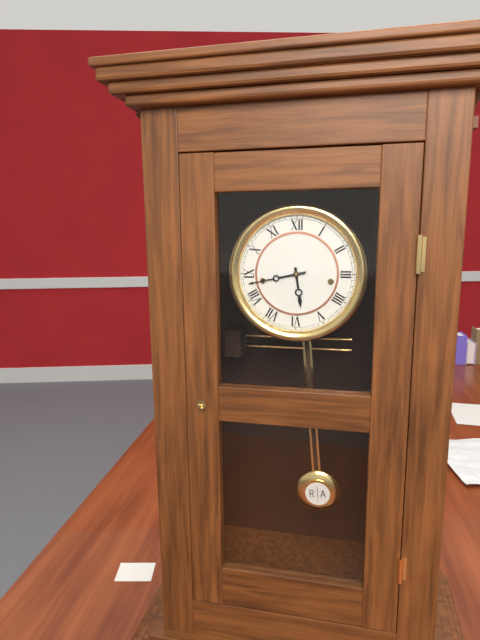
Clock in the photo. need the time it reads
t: 5:43
